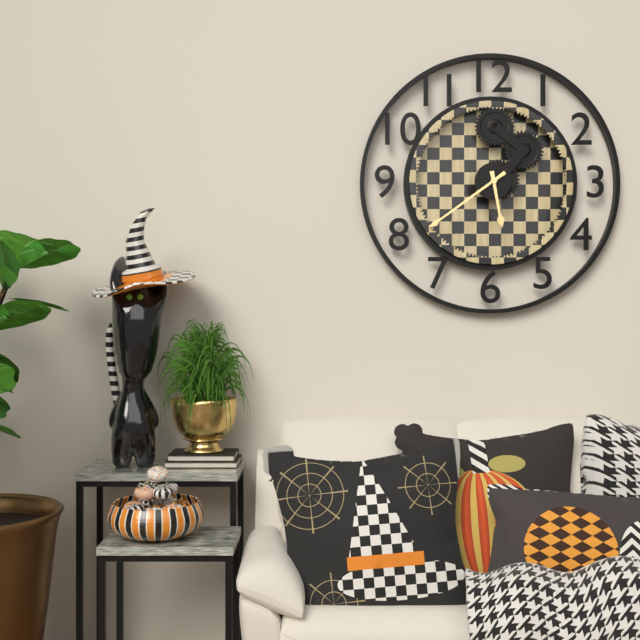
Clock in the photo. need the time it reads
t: 5:39
